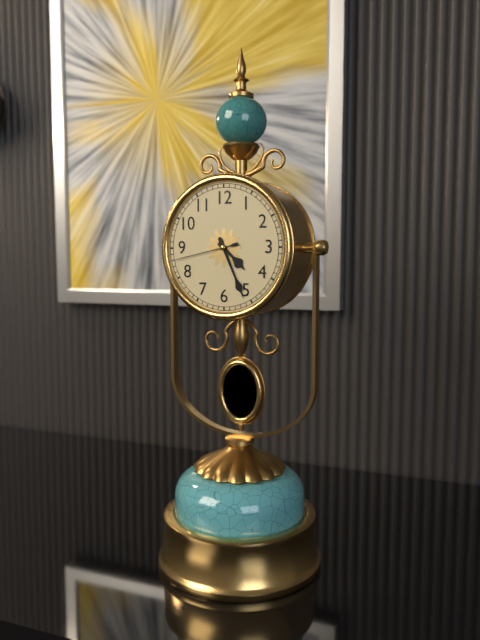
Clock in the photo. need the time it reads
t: 4:26:43
